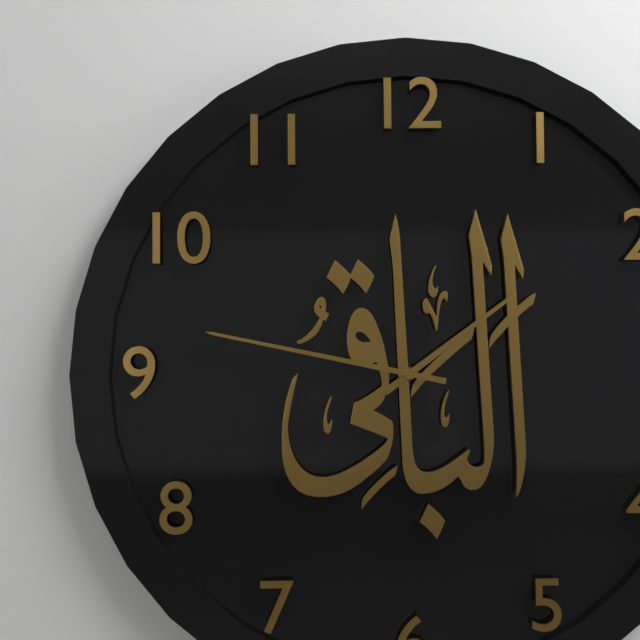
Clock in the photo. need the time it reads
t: 1:47
